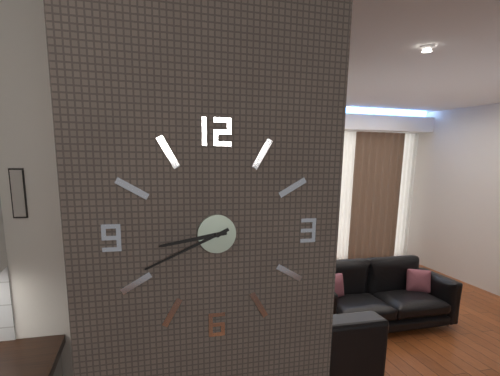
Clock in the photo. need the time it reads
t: 8:41
